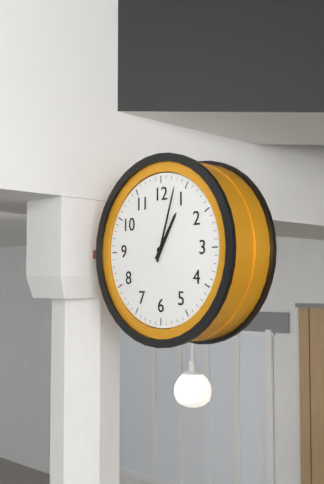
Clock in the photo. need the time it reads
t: 1:03
